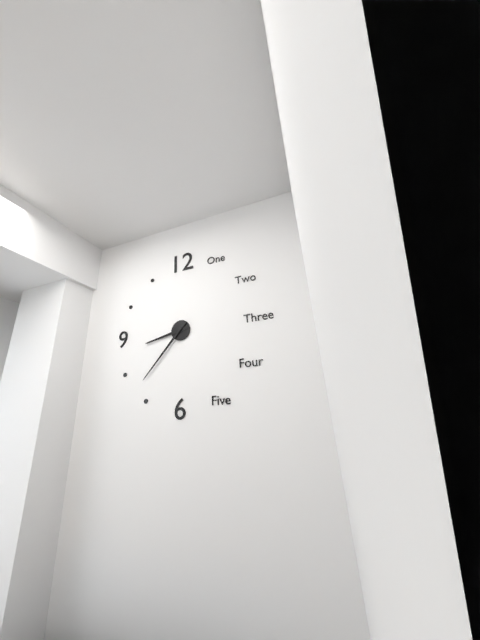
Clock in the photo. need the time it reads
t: 8:37
